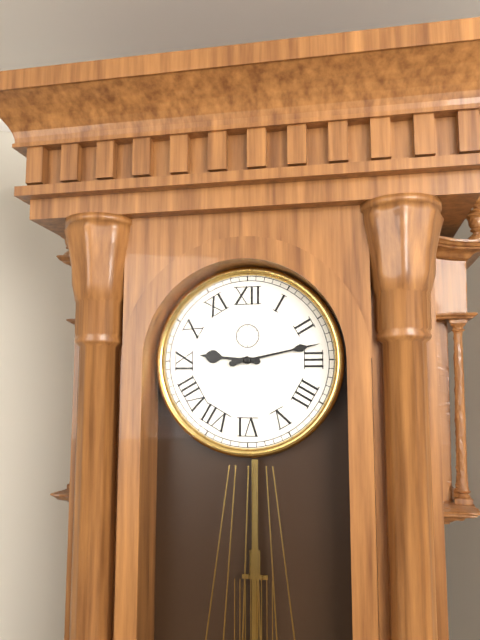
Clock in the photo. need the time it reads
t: 9:13
